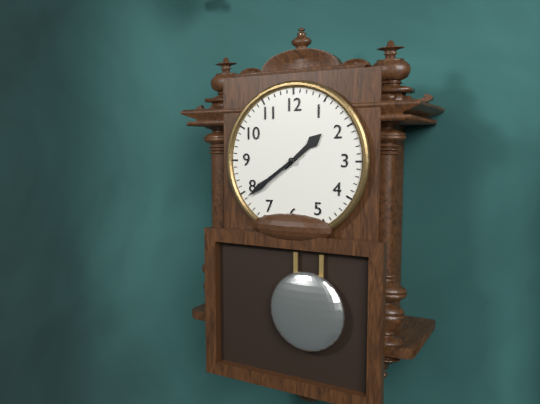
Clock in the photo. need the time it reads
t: 1:39
